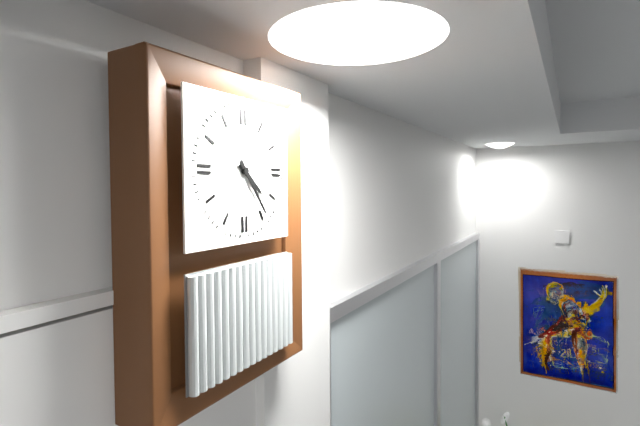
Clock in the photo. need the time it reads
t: 4:24
